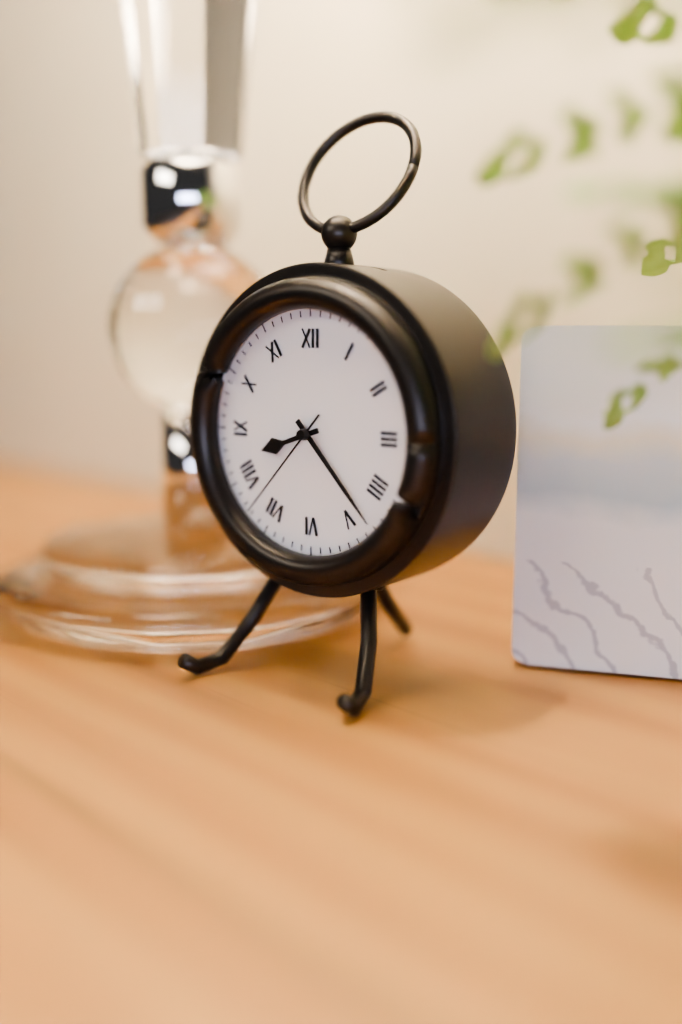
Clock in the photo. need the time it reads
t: 8:23:37
